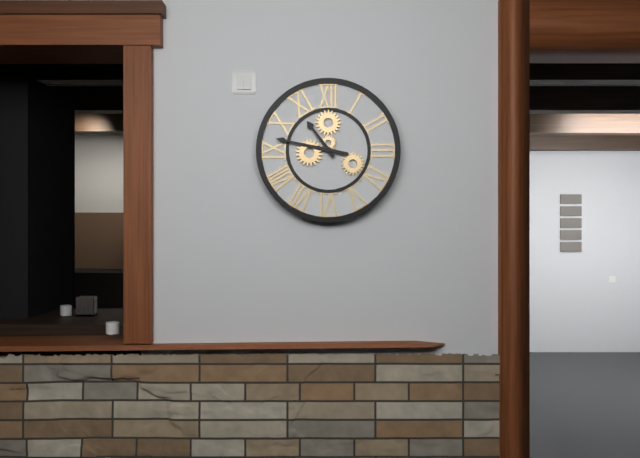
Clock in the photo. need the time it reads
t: 10:47
